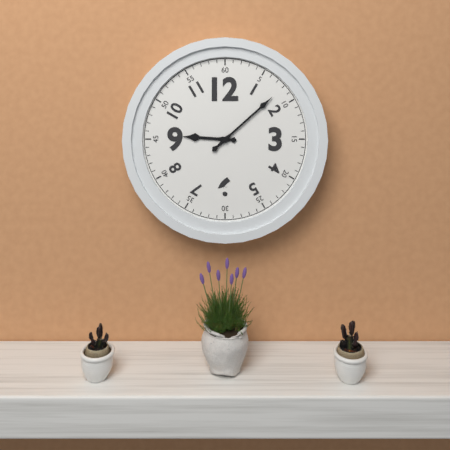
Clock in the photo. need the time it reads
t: 9:08
